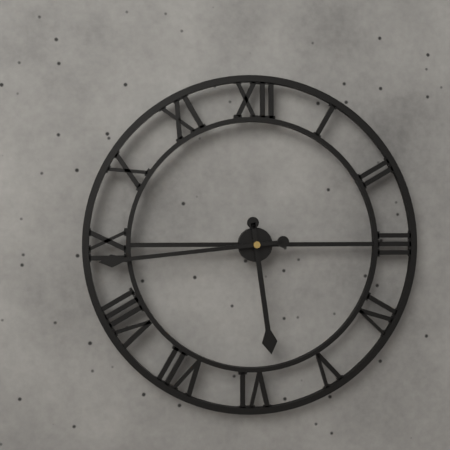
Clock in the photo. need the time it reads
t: 5:44
